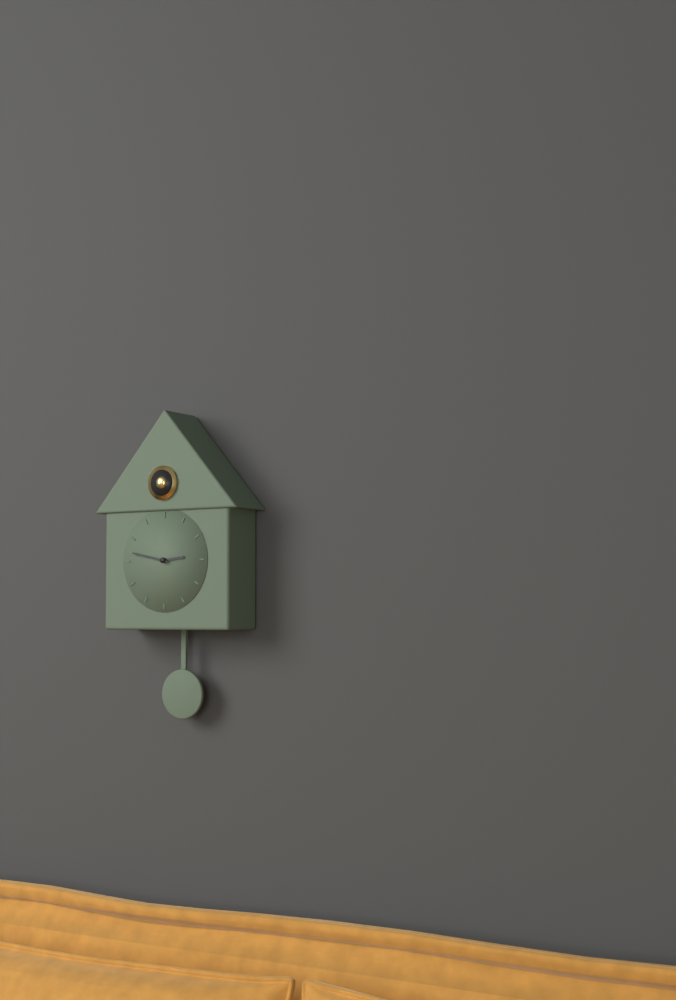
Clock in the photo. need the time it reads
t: 2:47
